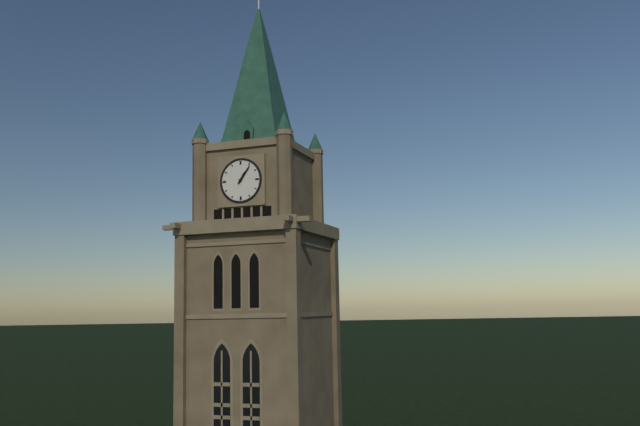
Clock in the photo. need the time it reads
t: 1:06
